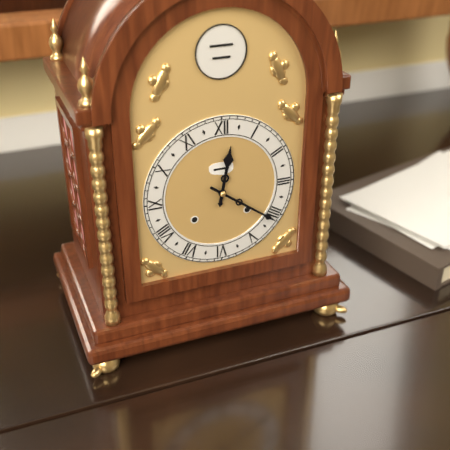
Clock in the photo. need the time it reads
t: 12:21
